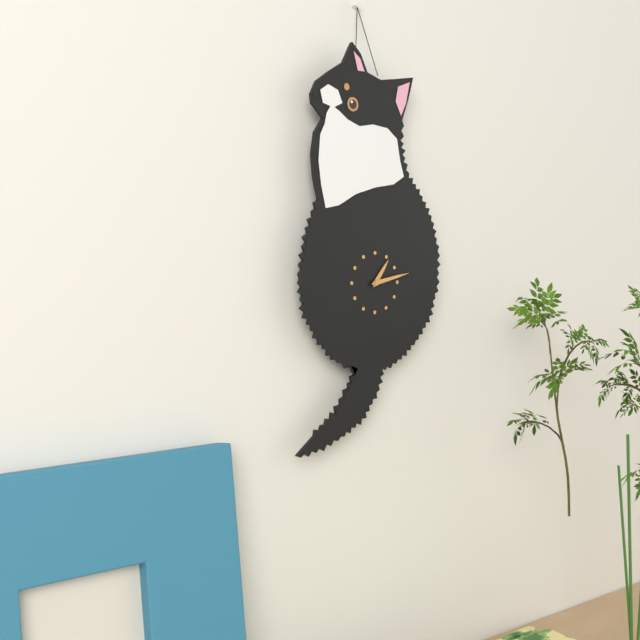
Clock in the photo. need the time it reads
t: 1:13
